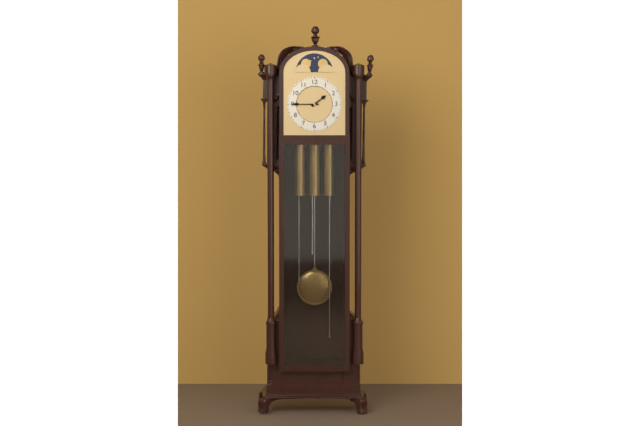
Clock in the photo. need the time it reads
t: 1:45
